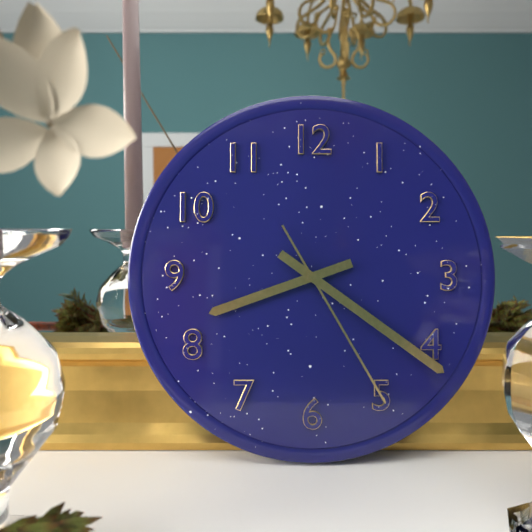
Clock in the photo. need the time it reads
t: 8:21:25
